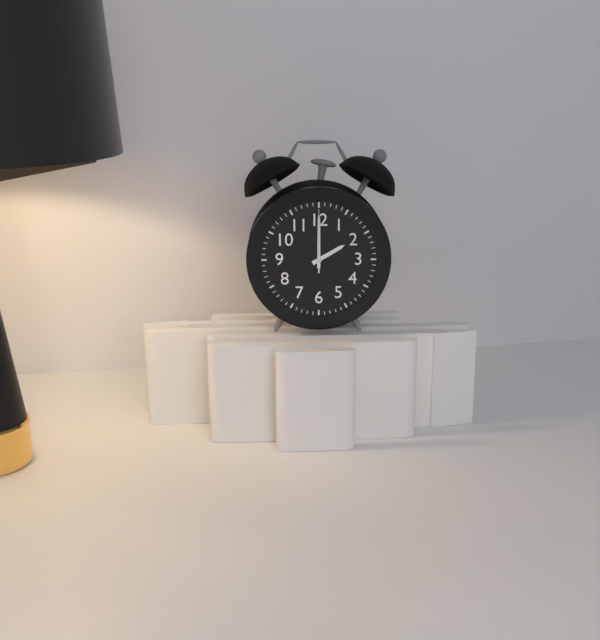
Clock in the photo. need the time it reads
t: 2:00:00
